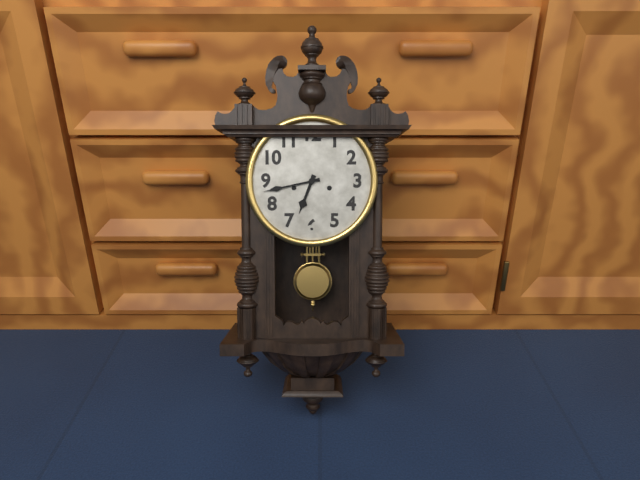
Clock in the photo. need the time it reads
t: 6:43
